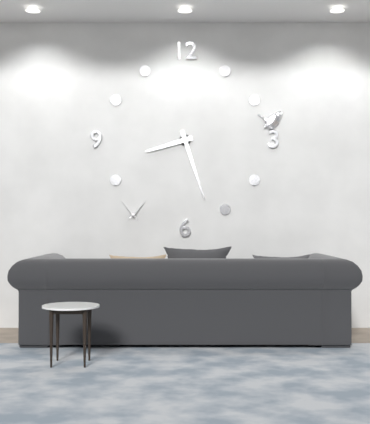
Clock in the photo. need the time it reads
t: 8:27
